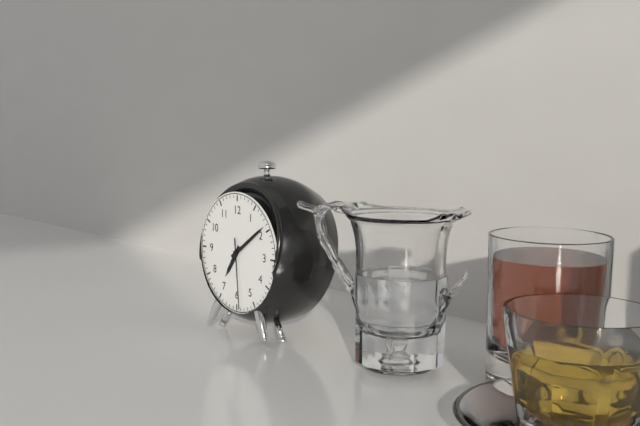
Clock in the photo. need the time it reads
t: 7:09:29
